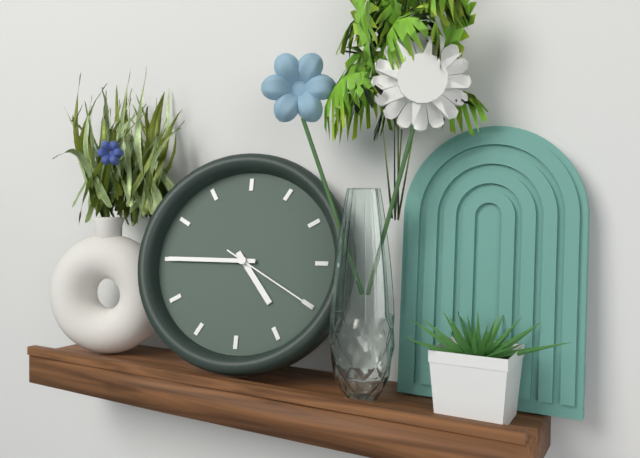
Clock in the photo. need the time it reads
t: 4:45:20
